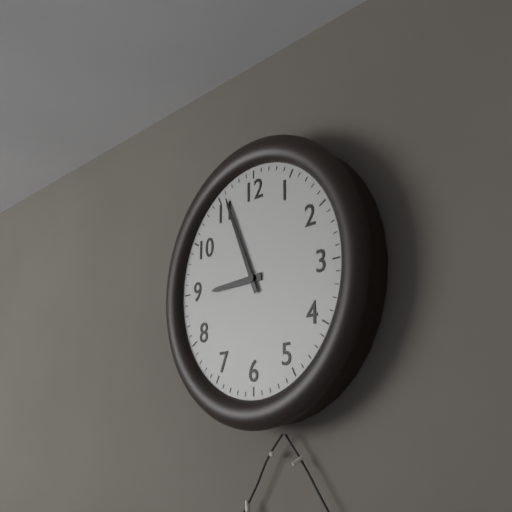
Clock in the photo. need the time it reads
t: 8:56
